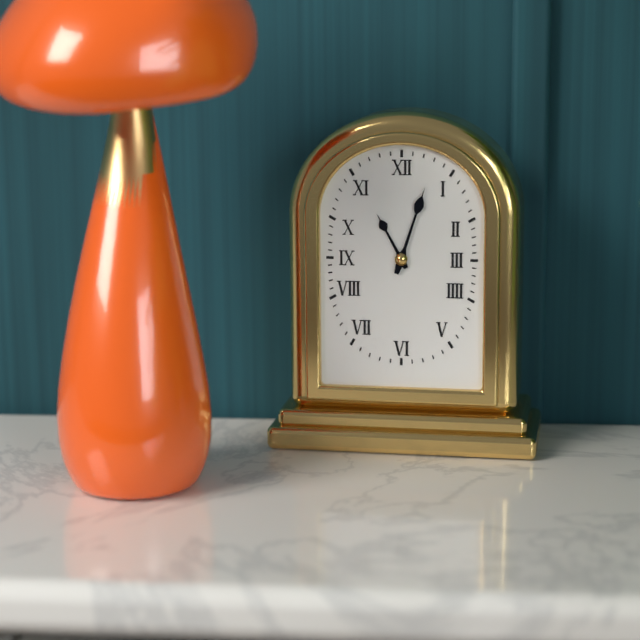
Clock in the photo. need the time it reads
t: 11:03
